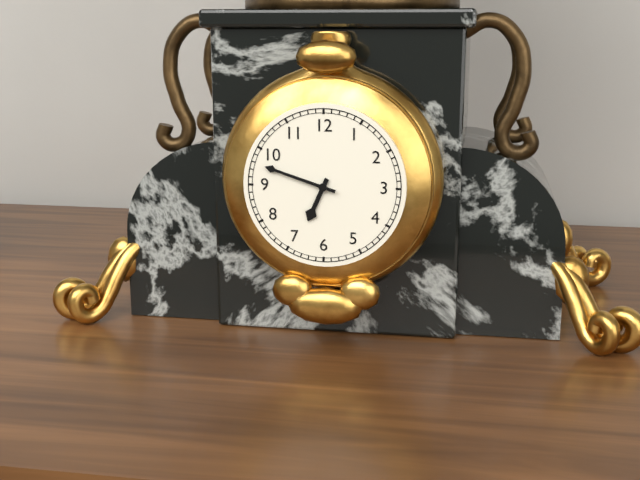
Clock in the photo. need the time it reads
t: 6:48
